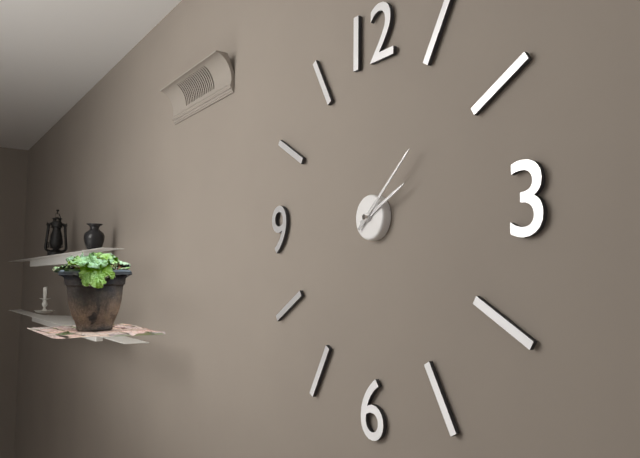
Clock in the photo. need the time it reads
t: 2:08
